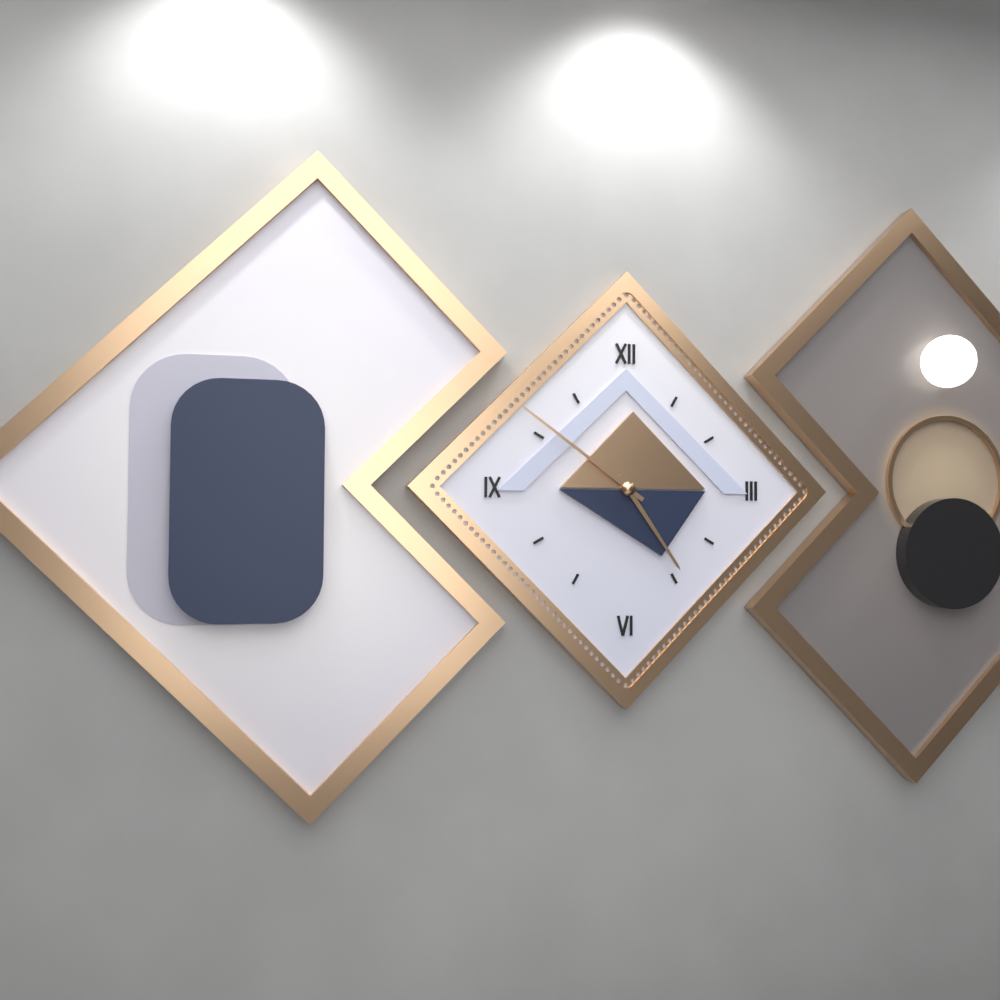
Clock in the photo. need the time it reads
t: 4:51
